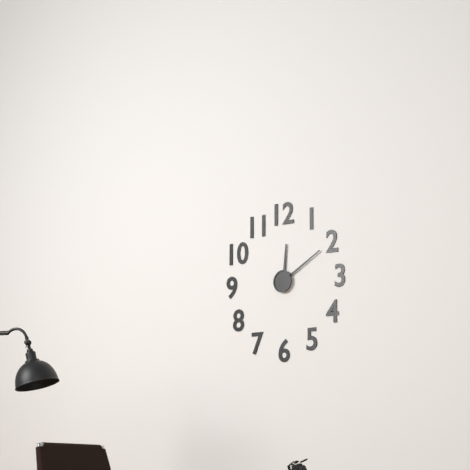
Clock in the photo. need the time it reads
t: 12:10
